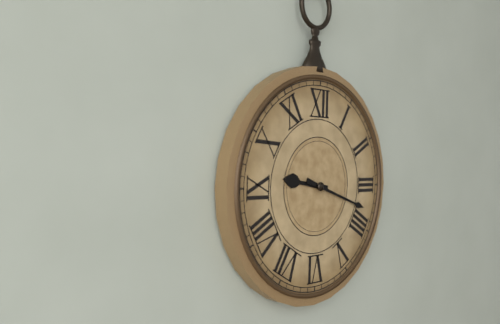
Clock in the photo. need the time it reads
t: 9:18
